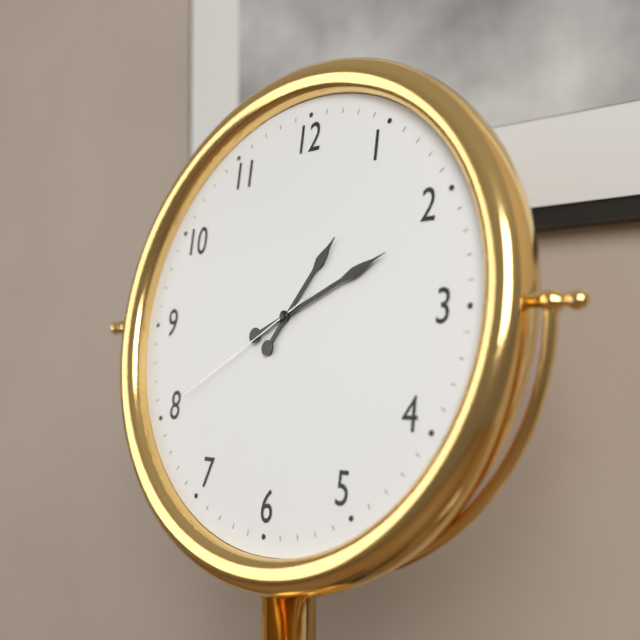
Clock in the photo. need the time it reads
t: 1:11:40
